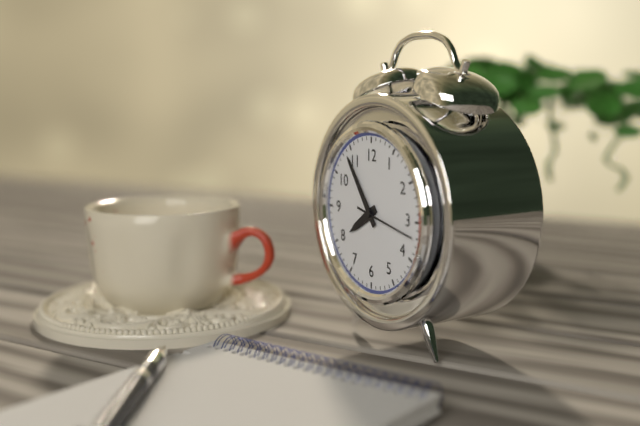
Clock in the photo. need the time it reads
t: 7:54:17
